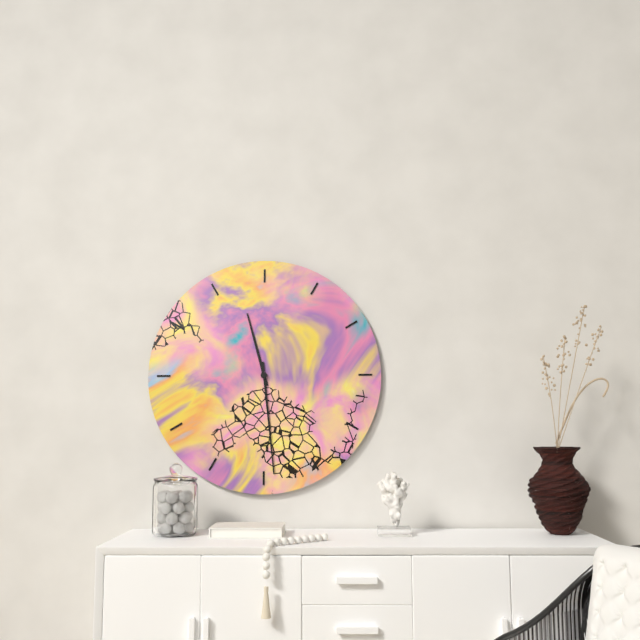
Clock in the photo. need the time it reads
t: 11:29
